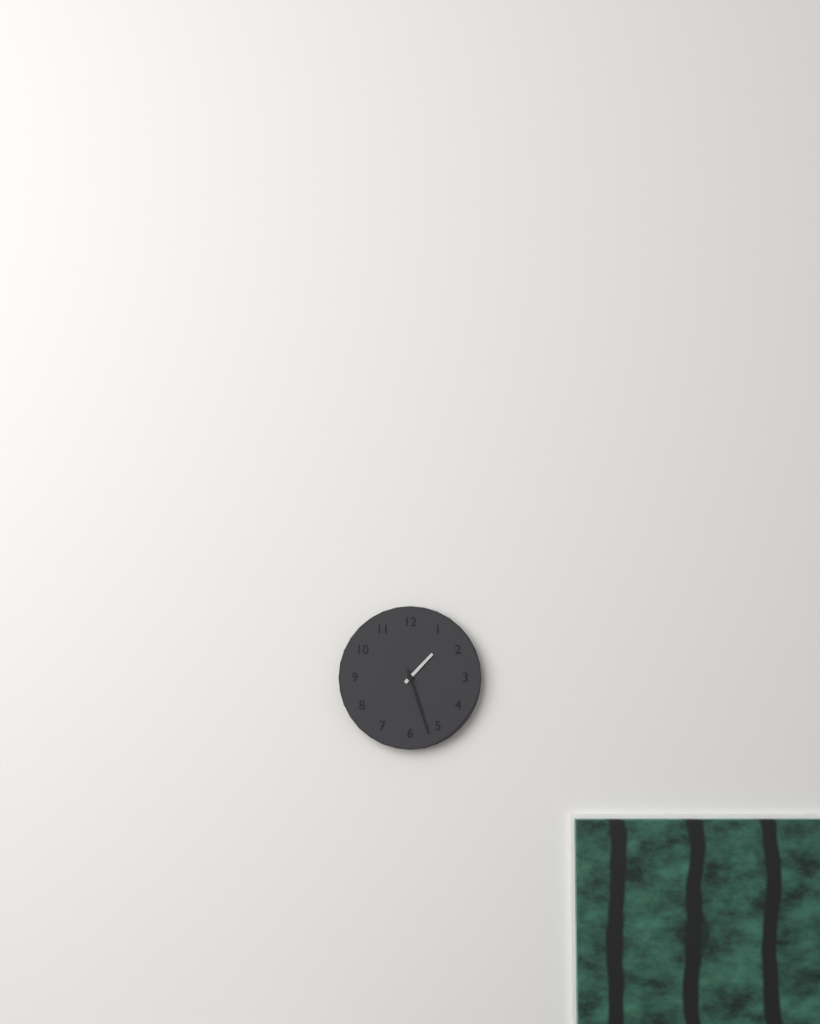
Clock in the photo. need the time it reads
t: 1:27
